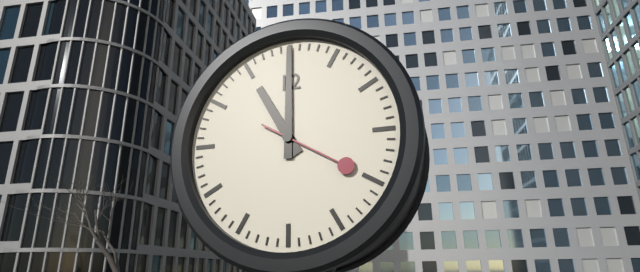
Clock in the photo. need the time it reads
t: 11:00:20
